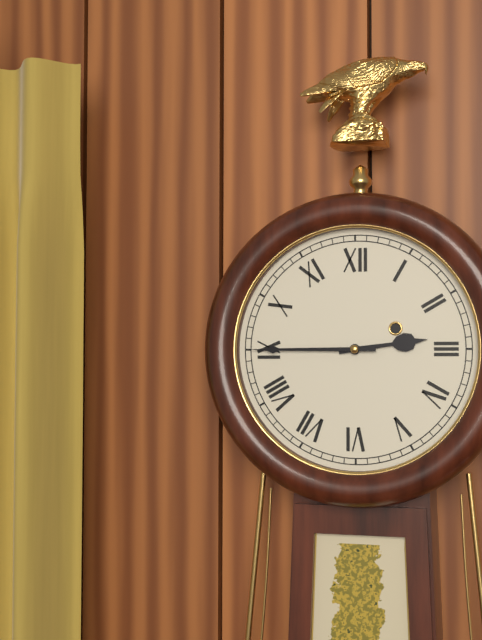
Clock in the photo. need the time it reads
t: 2:45
